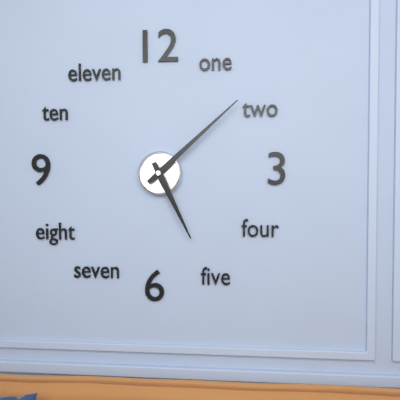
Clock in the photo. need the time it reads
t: 5:08
